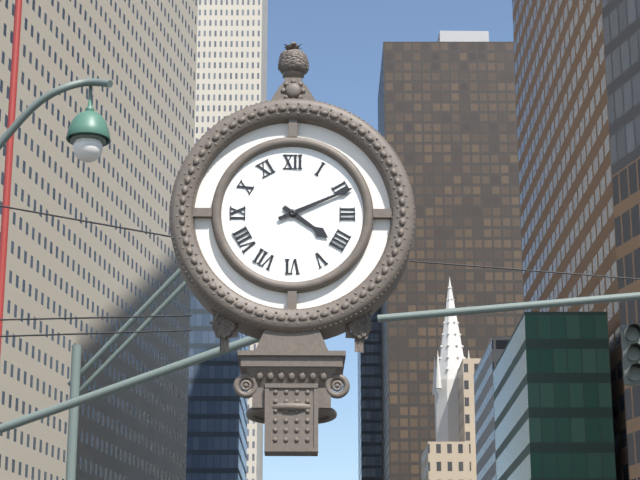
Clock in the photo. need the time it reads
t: 4:11
